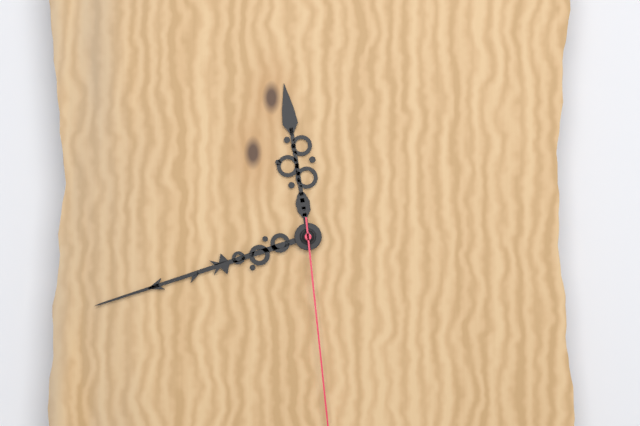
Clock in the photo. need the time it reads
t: 11:42
